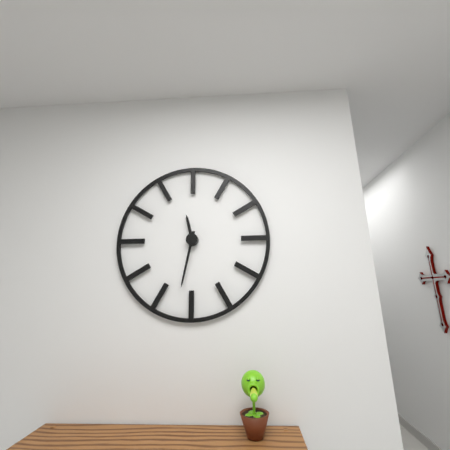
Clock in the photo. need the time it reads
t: 11:32
